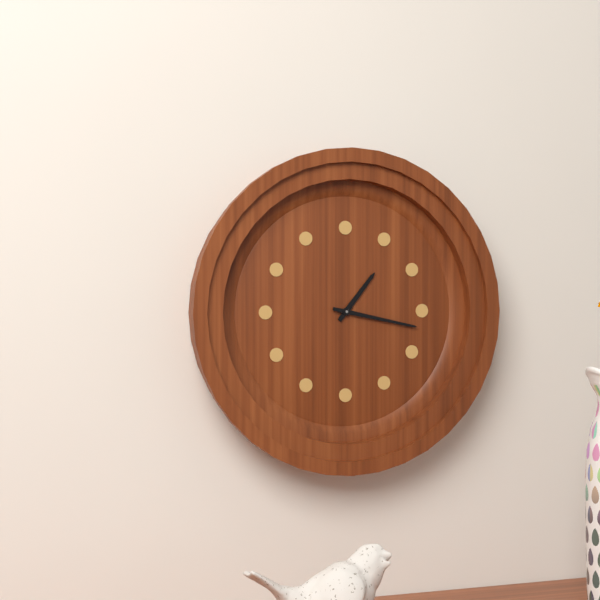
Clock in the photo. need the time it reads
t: 1:17
